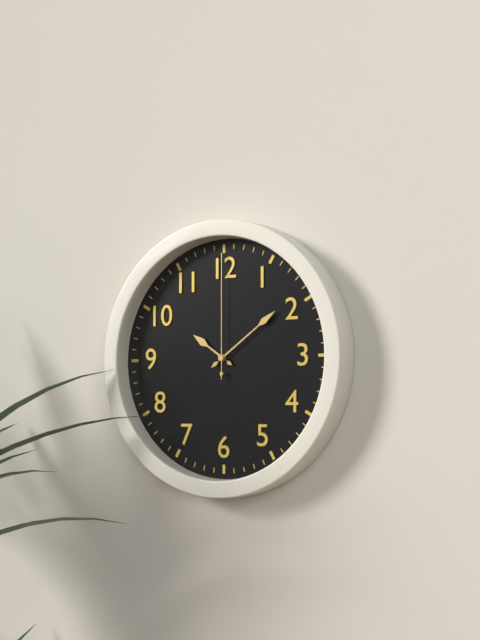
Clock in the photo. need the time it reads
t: 10:09:00
